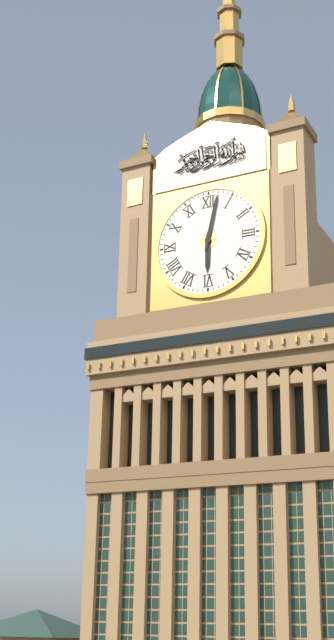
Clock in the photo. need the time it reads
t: 6:02
